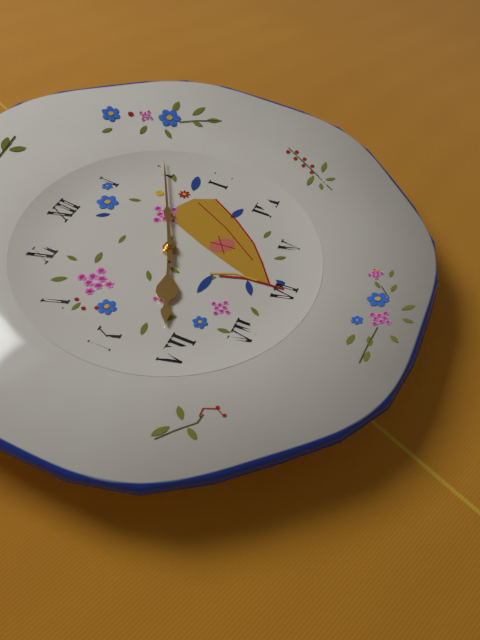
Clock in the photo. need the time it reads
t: 8:10
